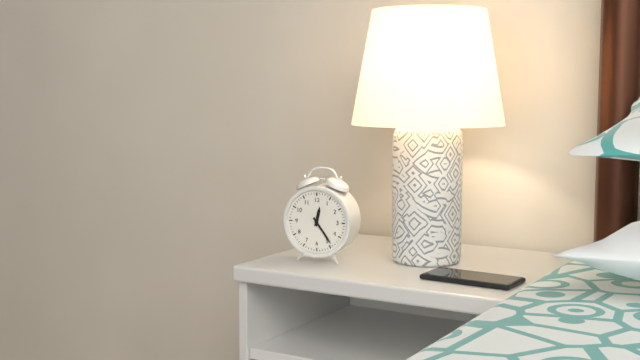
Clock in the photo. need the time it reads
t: 12:24
